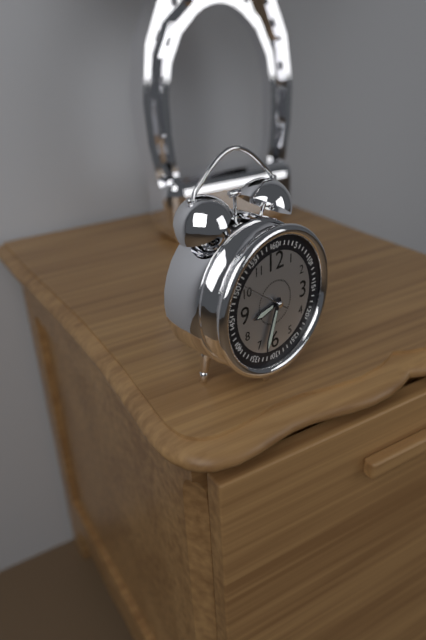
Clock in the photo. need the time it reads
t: 8:33
